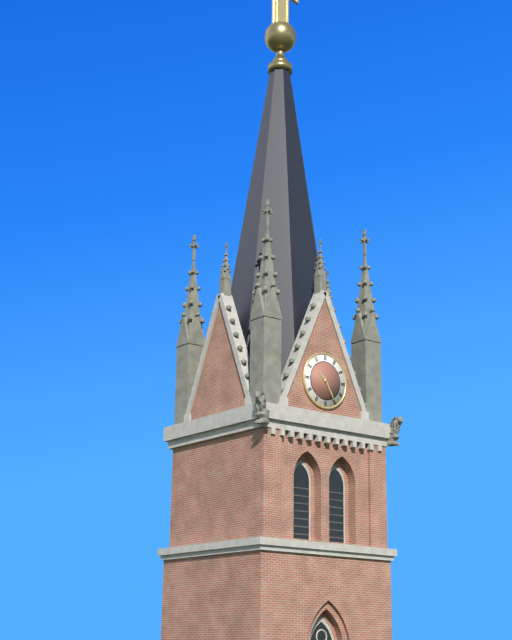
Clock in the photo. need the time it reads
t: 10:25
